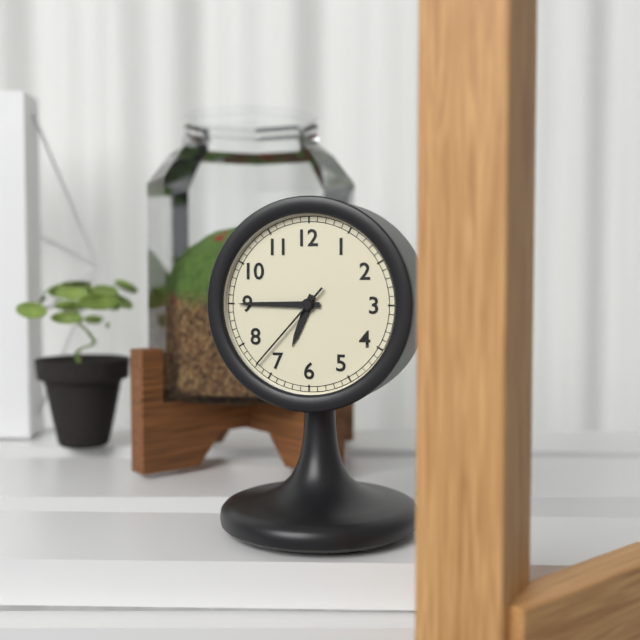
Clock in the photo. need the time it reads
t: 6:45:37
